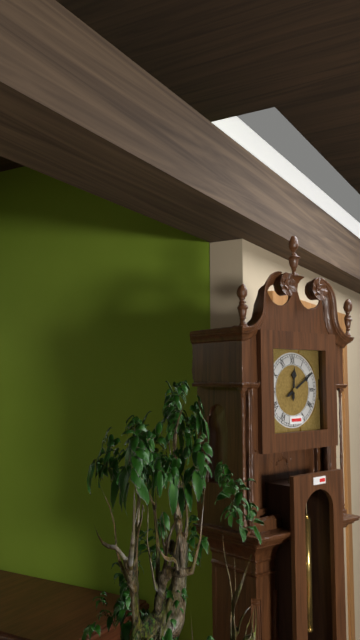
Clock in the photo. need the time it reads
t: 12:10
